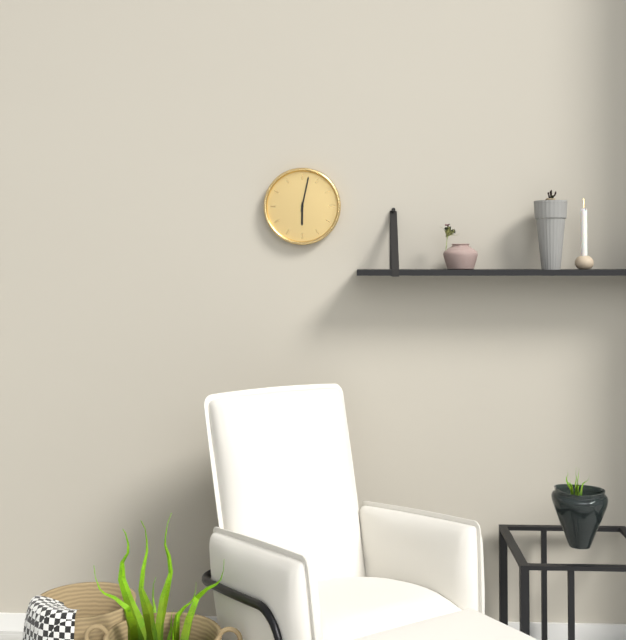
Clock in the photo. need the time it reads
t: 6:02
